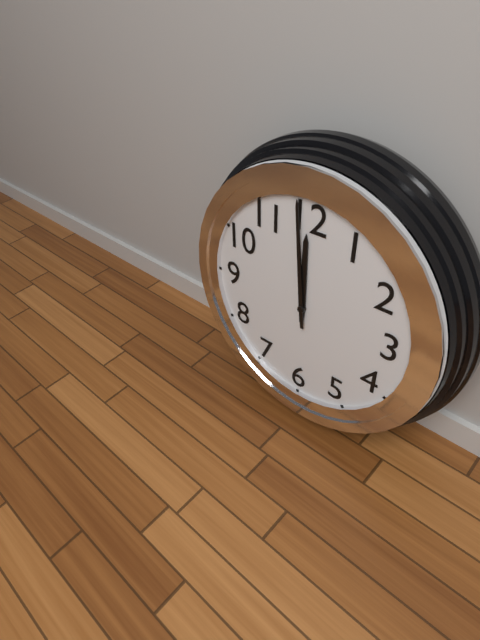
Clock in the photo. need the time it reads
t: 11:59
